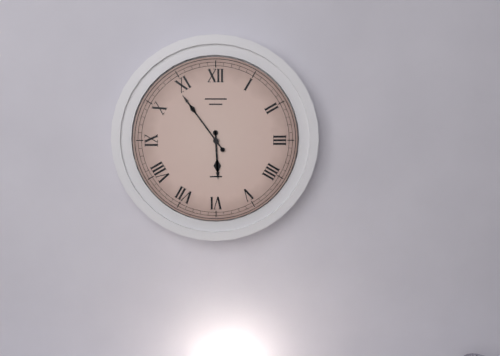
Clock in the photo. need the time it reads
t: 5:54
